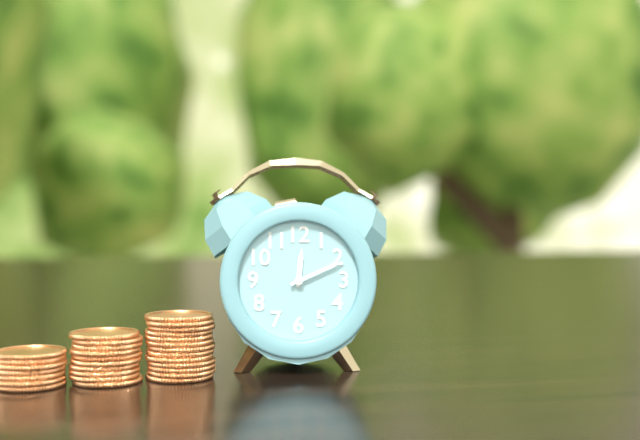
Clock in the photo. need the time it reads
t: 12:11
